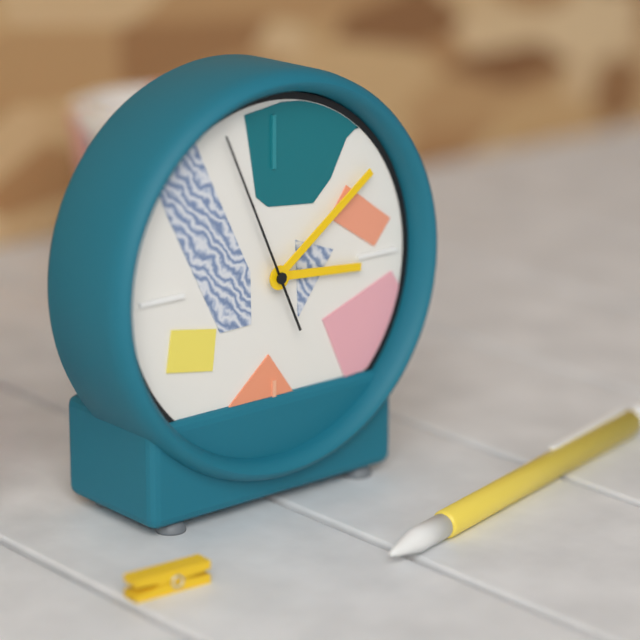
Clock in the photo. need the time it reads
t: 3:09:56
